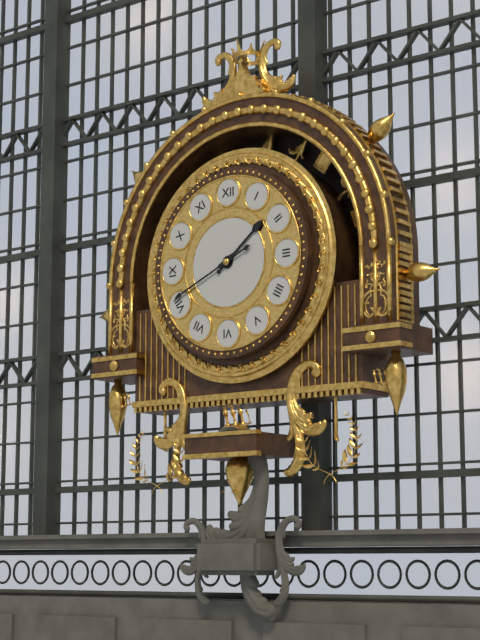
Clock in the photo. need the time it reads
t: 1:41
